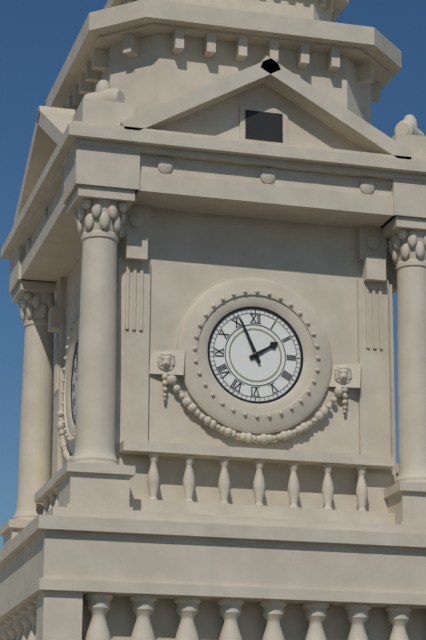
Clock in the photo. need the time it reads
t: 1:56
